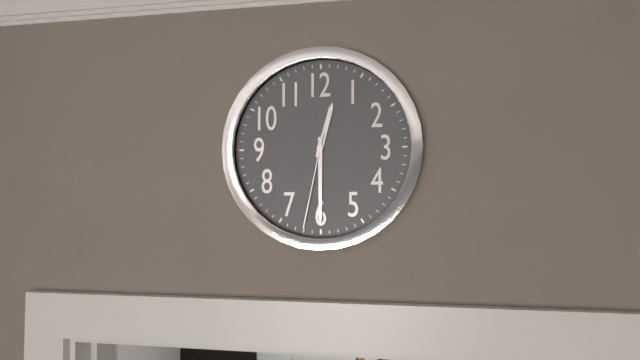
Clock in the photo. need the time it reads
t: 12:30:32
